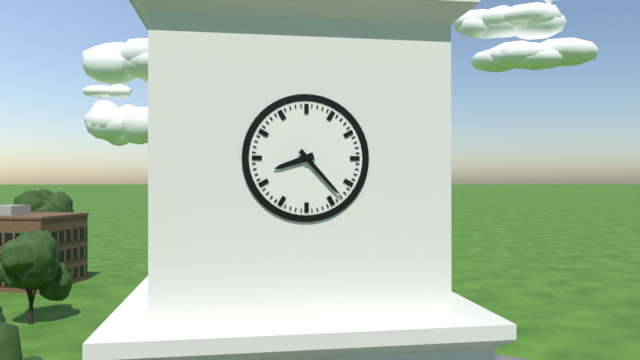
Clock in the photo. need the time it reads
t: 8:23
